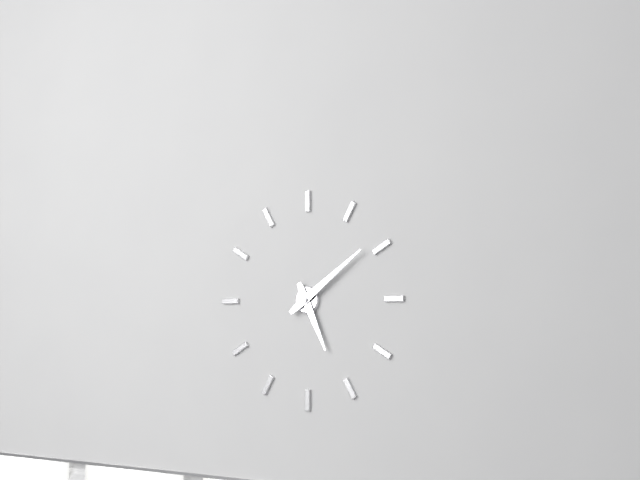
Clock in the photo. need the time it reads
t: 5:09
